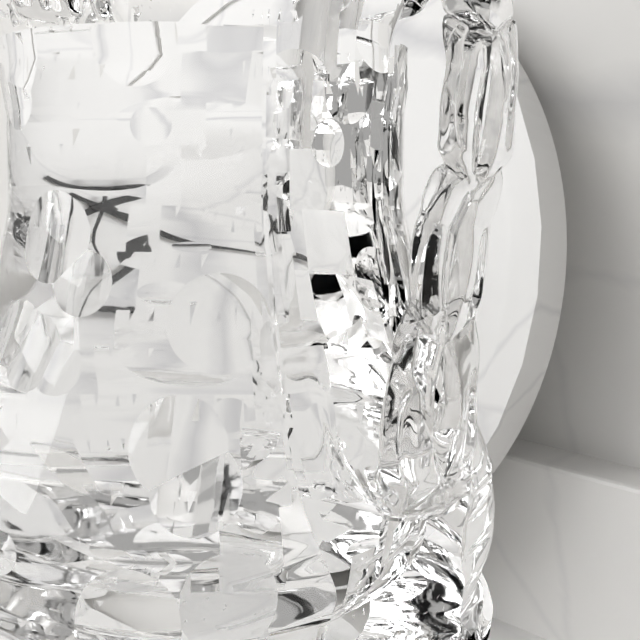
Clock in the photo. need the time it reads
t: 4:36:28
